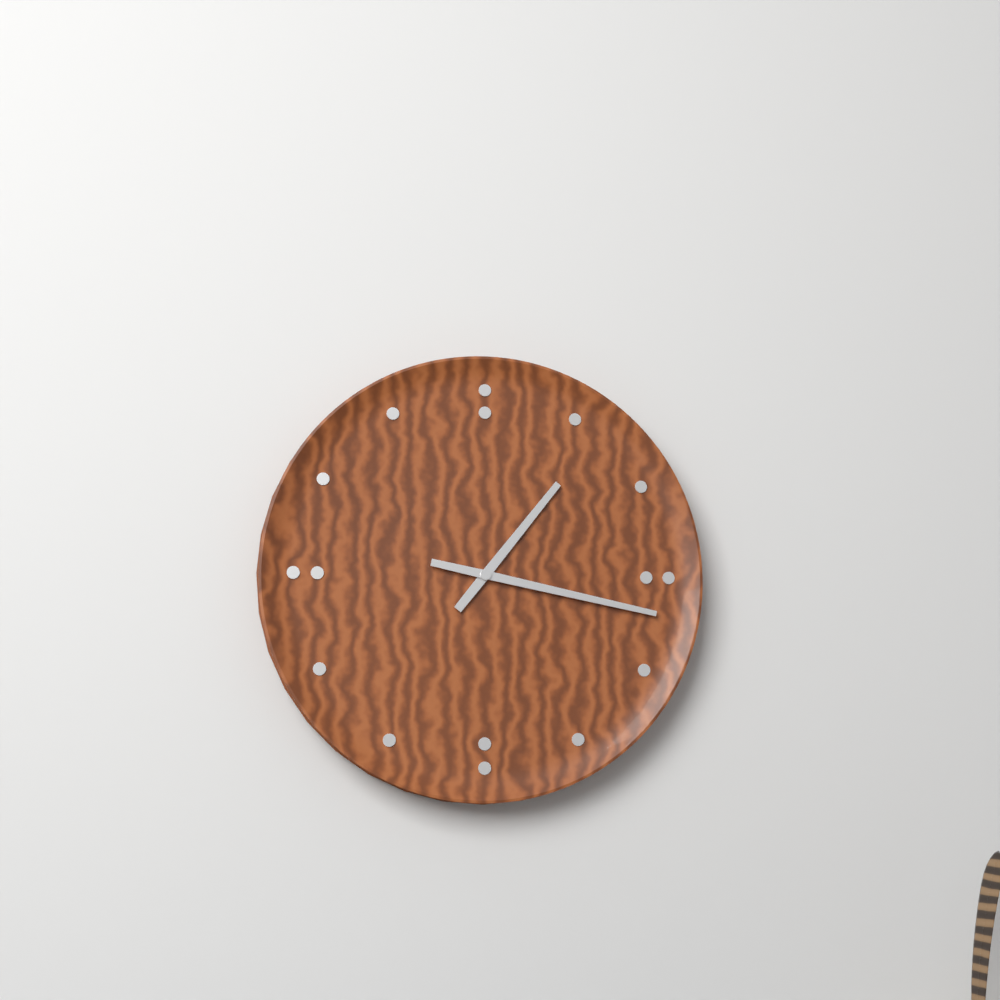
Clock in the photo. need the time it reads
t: 1:17
